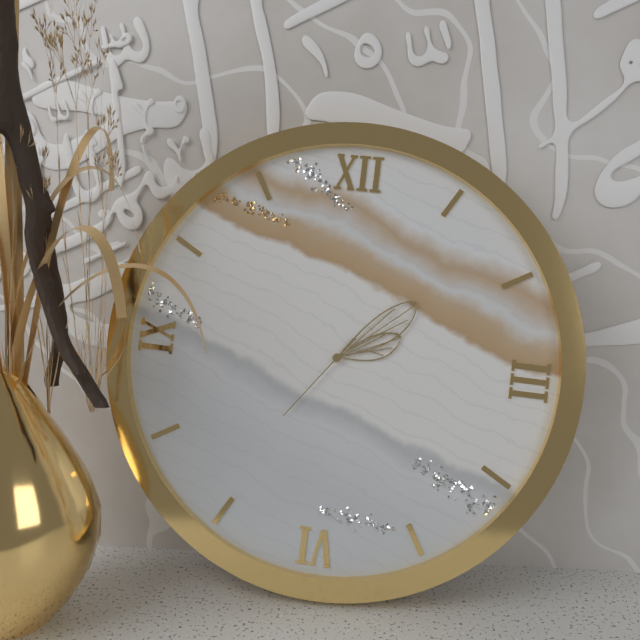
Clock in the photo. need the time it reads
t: 2:08:36
